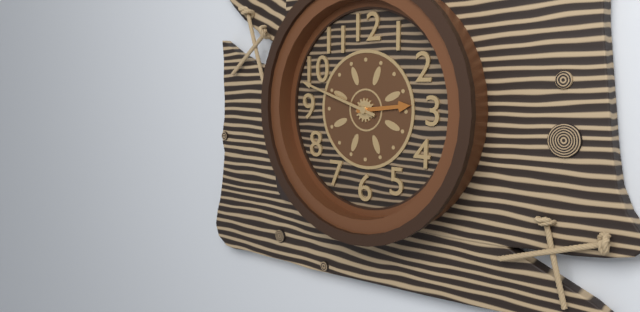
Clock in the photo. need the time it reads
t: 2:48
